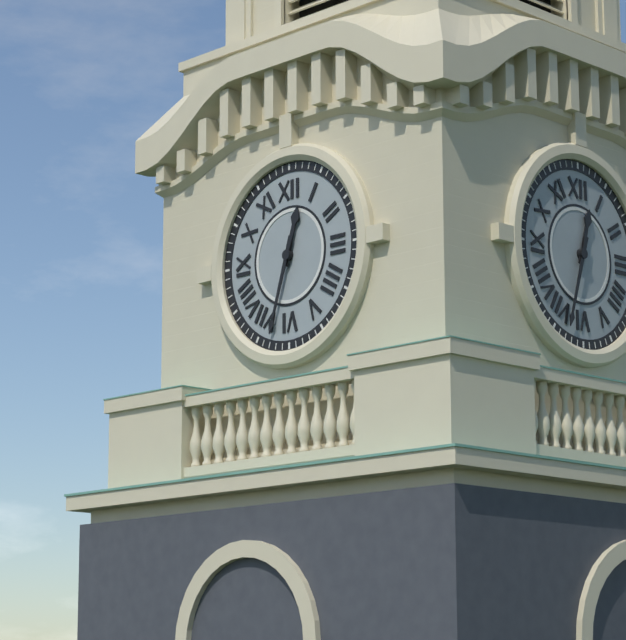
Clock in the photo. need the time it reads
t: 12:33
